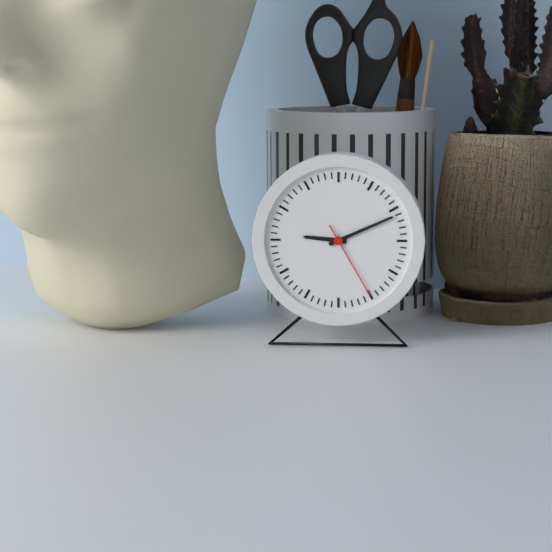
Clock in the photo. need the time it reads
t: 9:11:25
